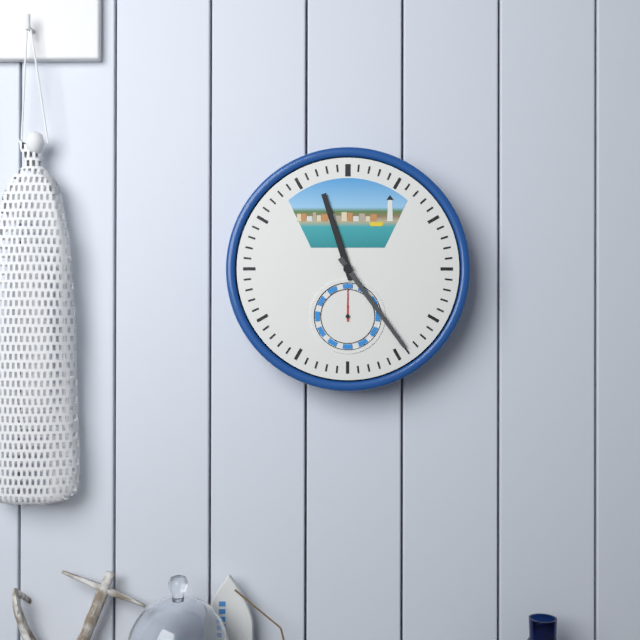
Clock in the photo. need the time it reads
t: 11:24
